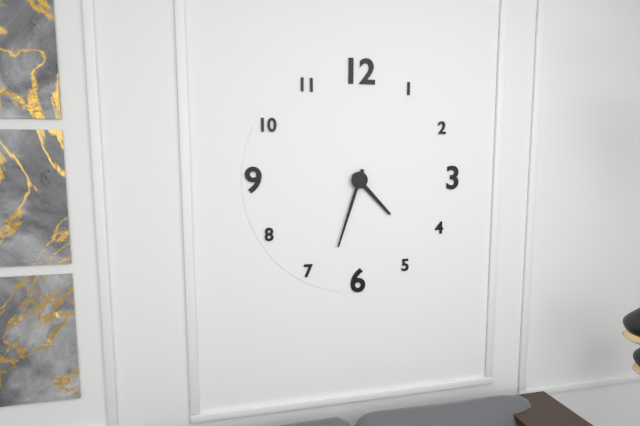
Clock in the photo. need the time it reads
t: 4:33
